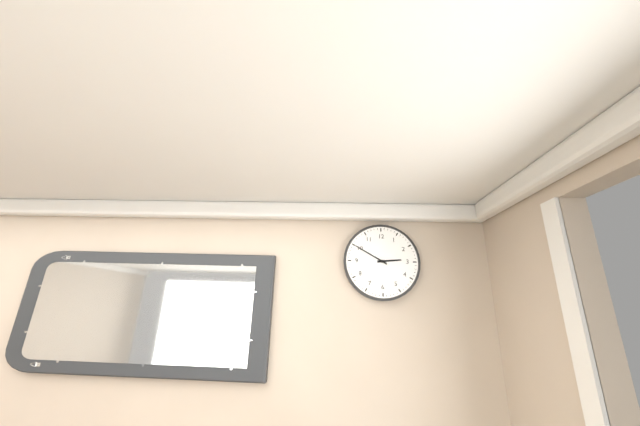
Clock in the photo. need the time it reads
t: 2:50
